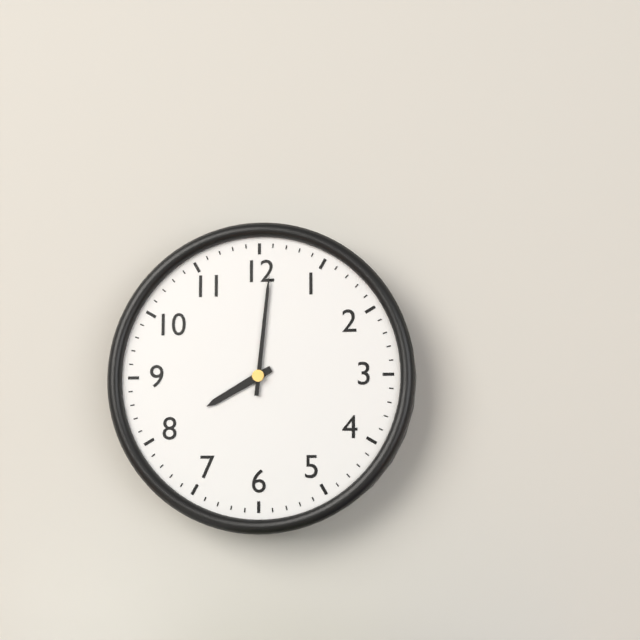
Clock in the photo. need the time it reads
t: 8:01
